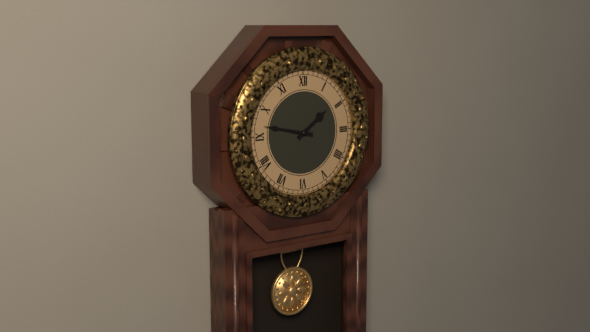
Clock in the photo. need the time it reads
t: 1:47
